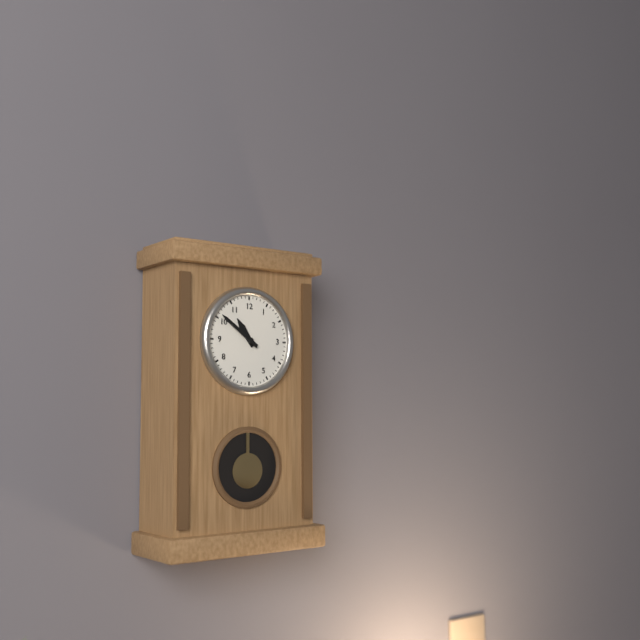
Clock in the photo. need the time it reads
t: 10:51
